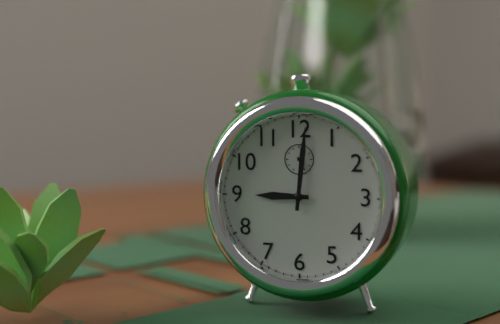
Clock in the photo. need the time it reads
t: 9:01
